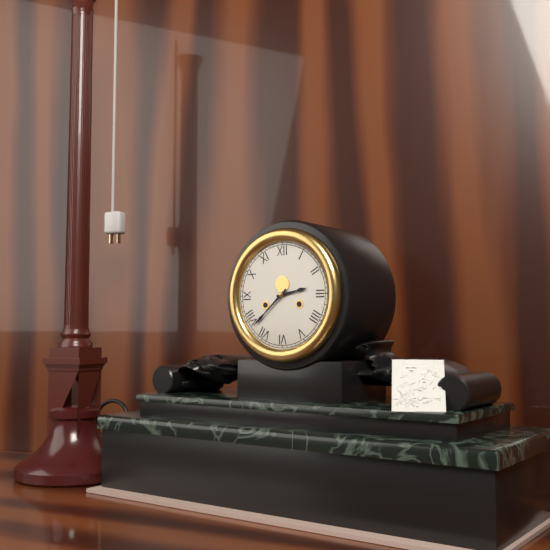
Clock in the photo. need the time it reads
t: 2:38
